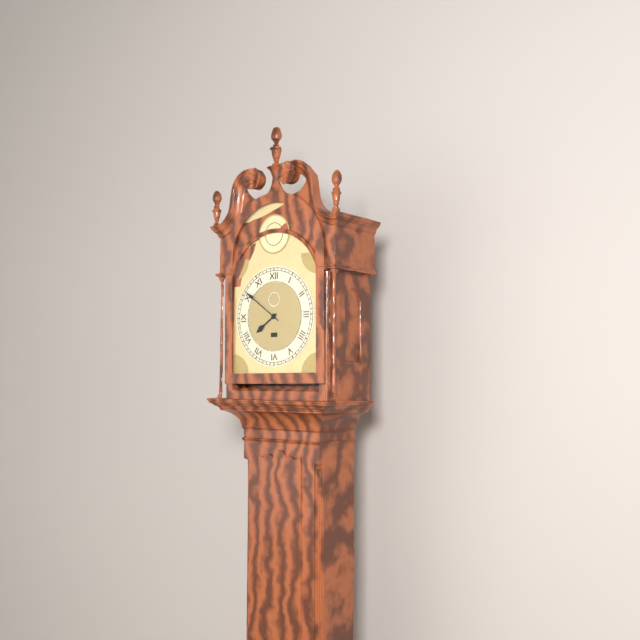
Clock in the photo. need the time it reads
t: 7:51
